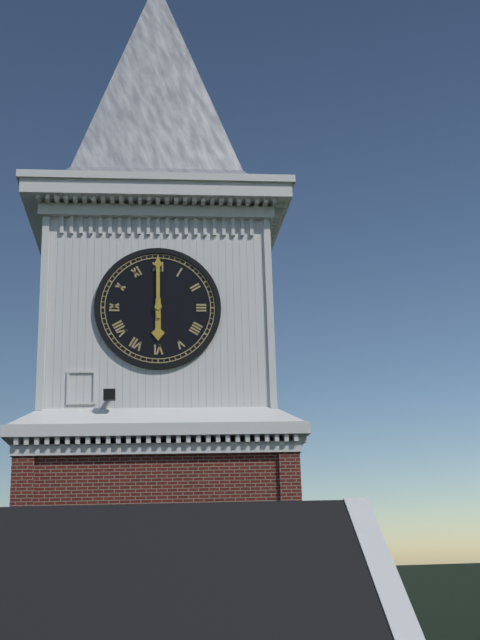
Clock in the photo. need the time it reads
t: 6:00
